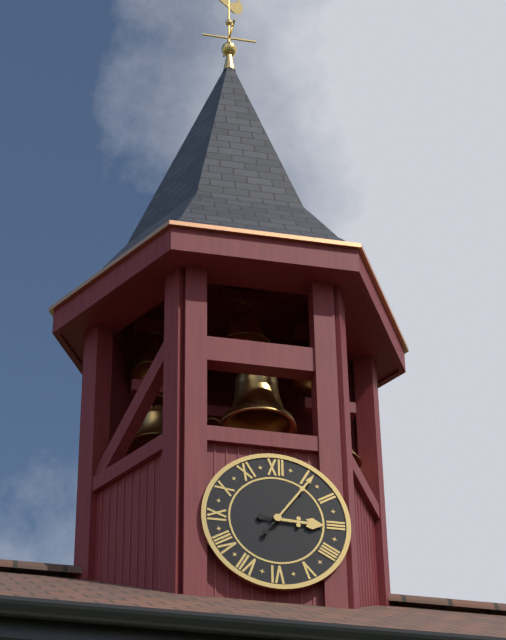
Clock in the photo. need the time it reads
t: 3:06
